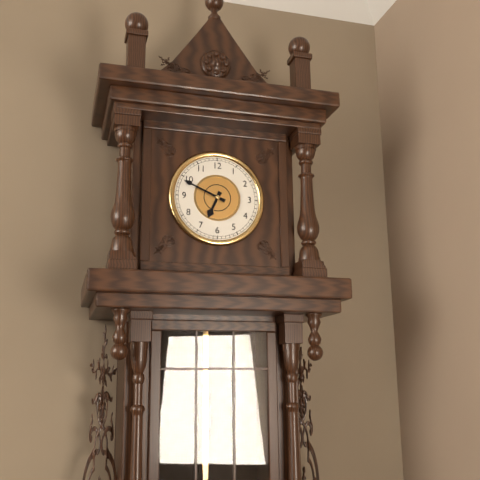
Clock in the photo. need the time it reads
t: 6:49
